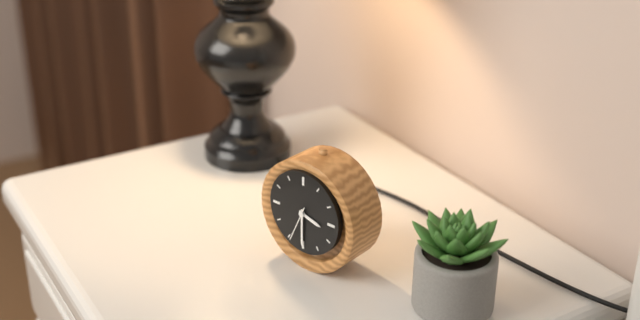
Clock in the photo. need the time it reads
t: 3:30
